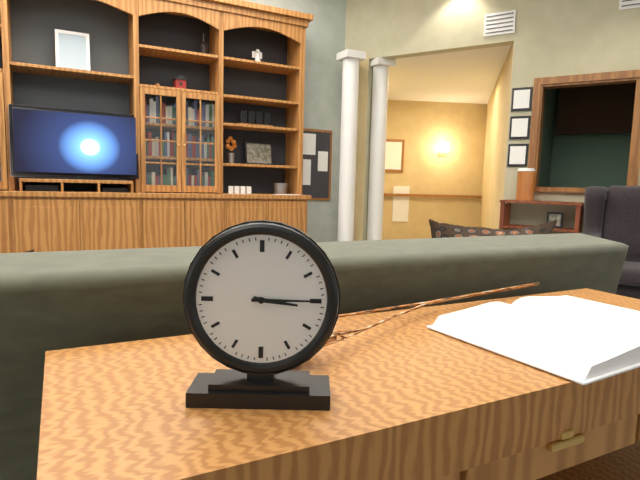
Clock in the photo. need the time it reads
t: 3:15
